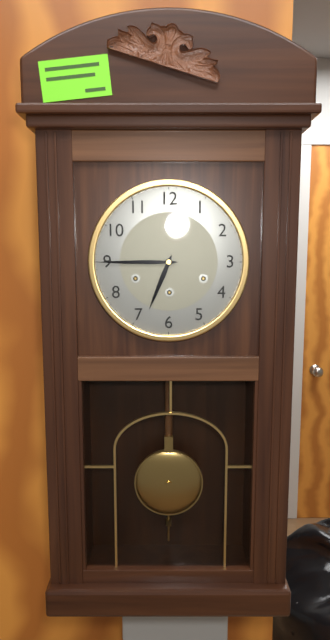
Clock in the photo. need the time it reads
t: 6:45
